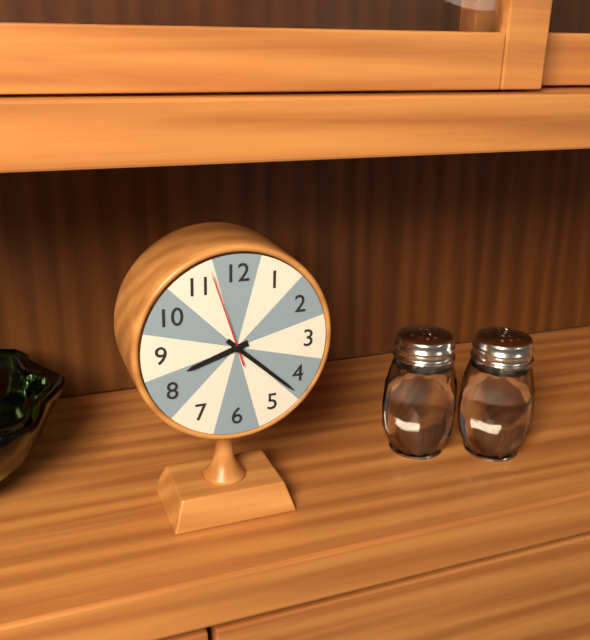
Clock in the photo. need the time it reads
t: 8:22:57
